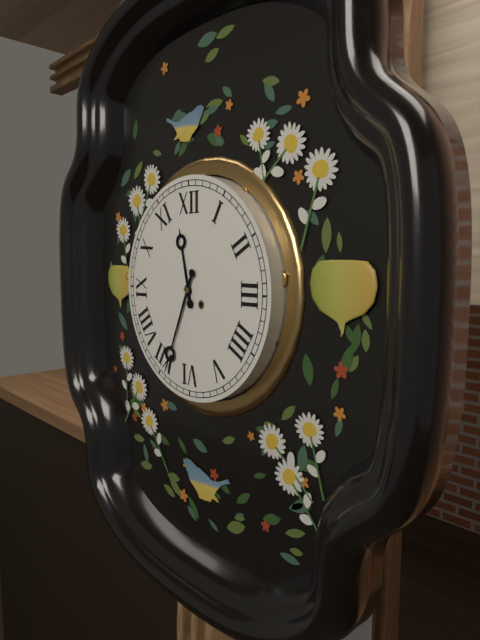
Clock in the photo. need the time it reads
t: 11:34
